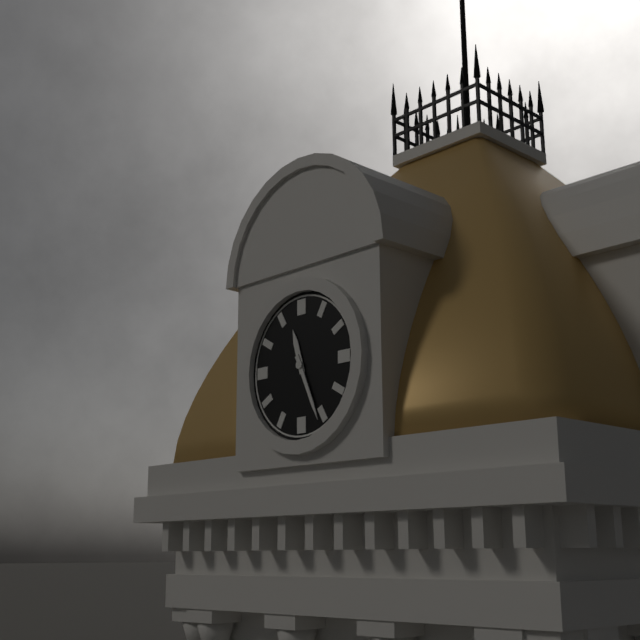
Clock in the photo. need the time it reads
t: 11:26
